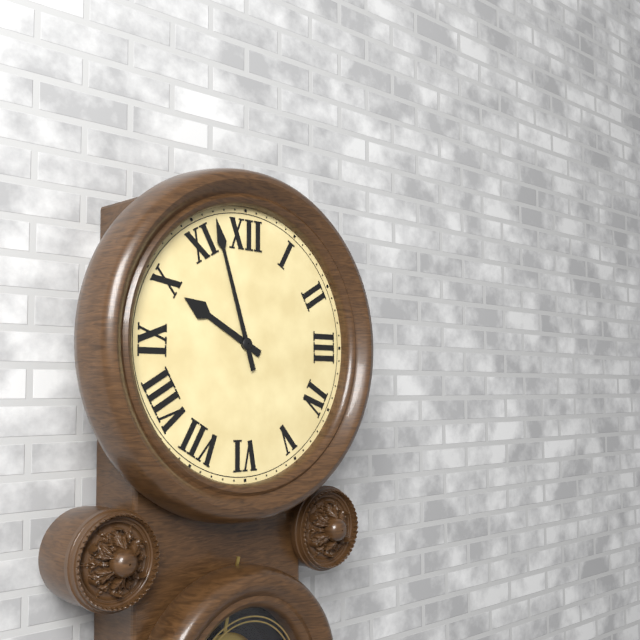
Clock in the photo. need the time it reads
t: 9:57
